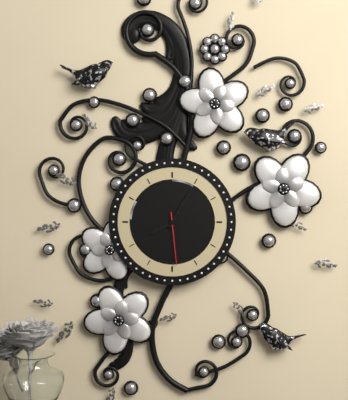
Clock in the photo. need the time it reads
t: 8:05:29
